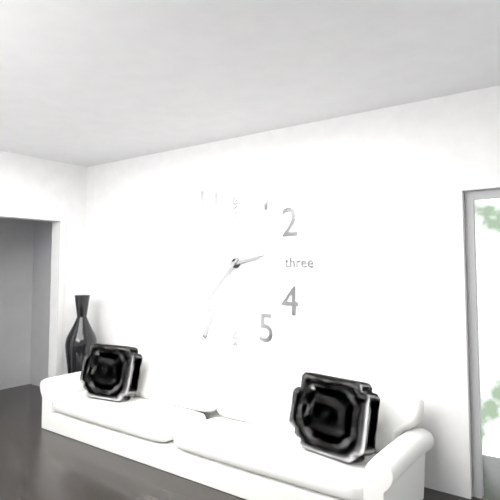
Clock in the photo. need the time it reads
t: 2:37
